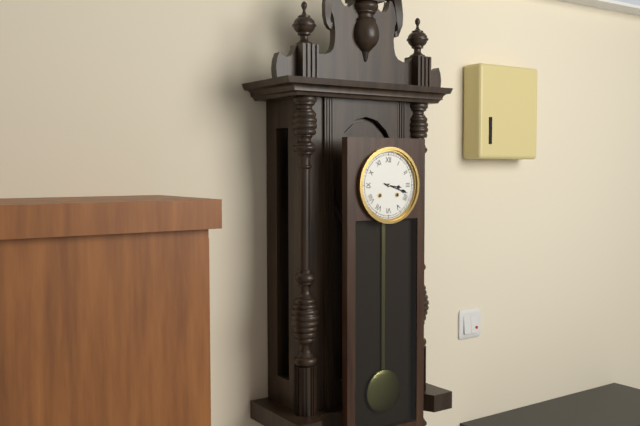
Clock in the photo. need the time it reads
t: 3:18
